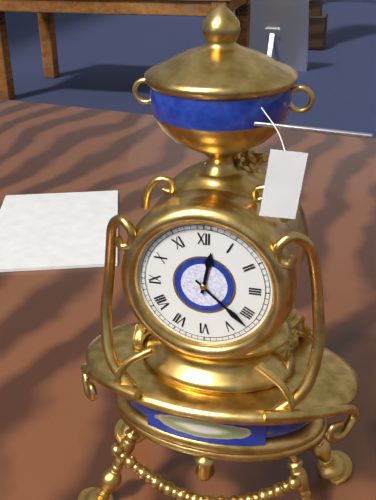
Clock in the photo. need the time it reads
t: 12:22
